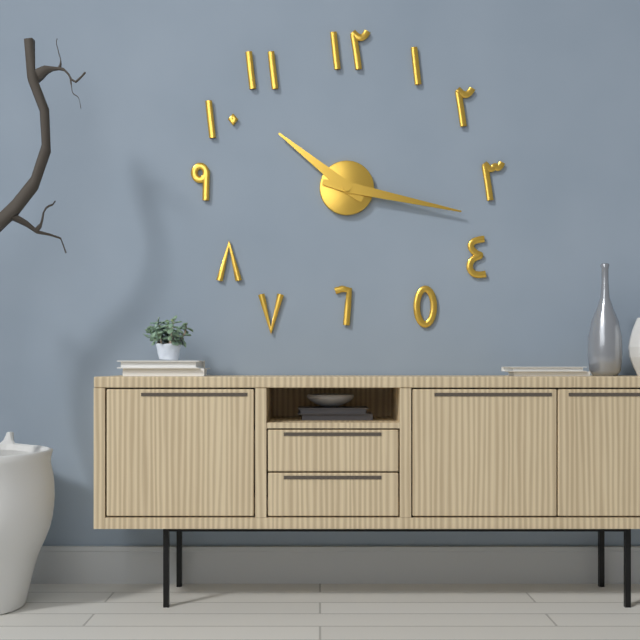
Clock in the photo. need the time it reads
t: 10:17
